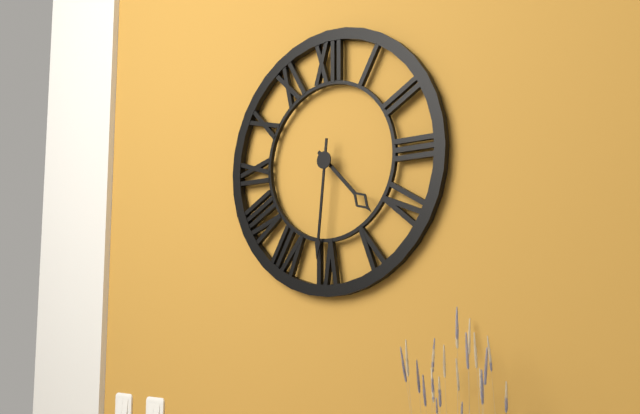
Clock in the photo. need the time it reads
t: 4:31
